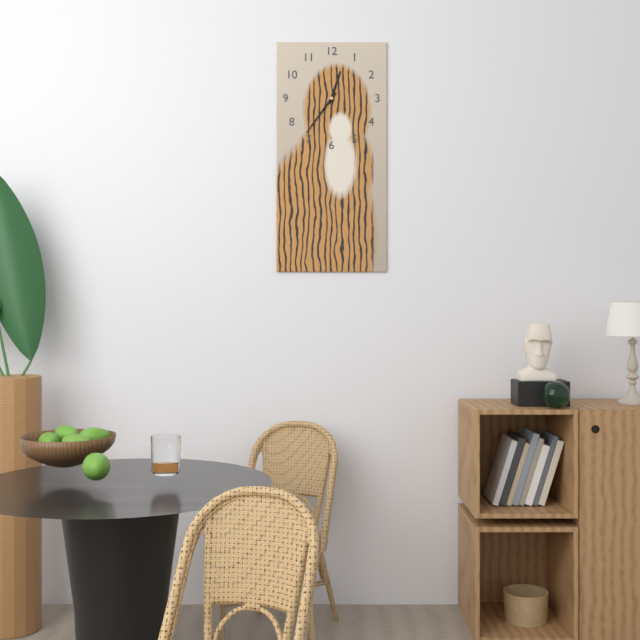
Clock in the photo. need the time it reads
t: 12:36
